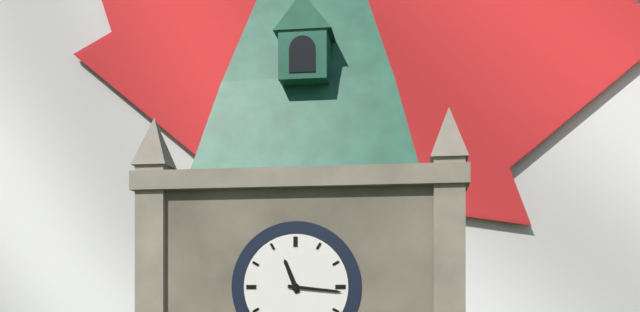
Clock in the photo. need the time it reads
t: 11:16
